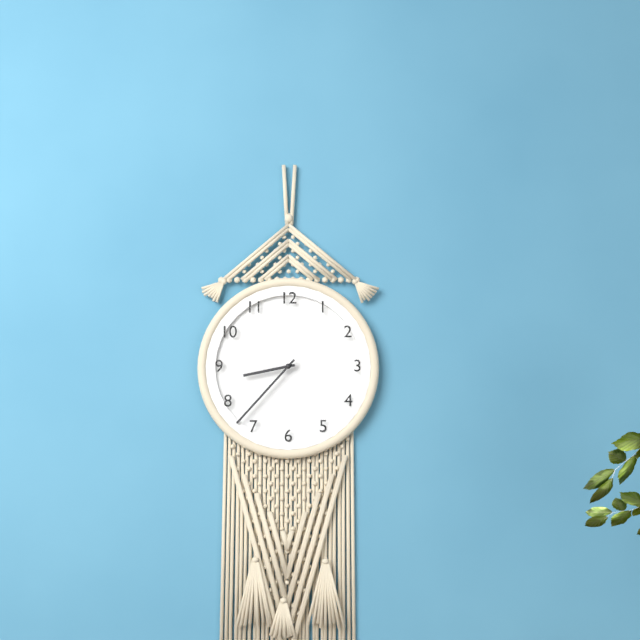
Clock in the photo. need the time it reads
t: 8:37
